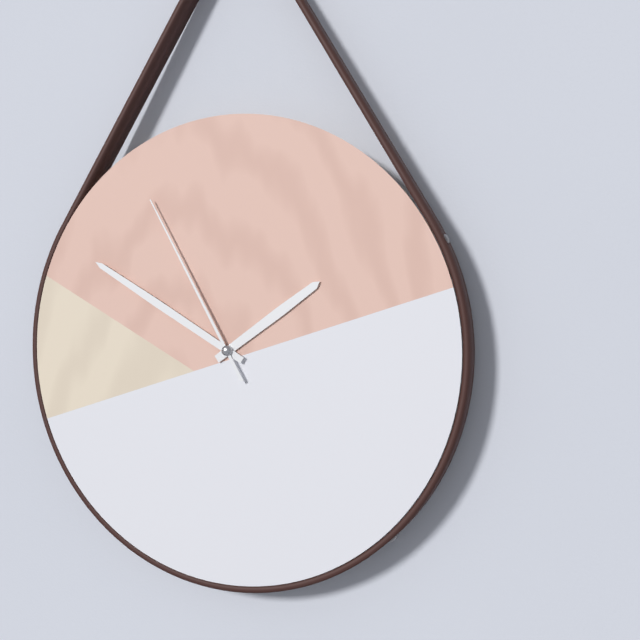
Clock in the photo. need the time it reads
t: 1:50:55
